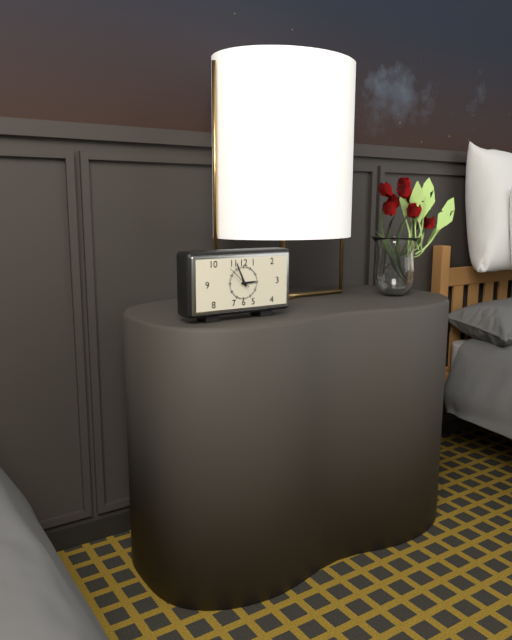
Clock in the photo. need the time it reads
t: 2:56
